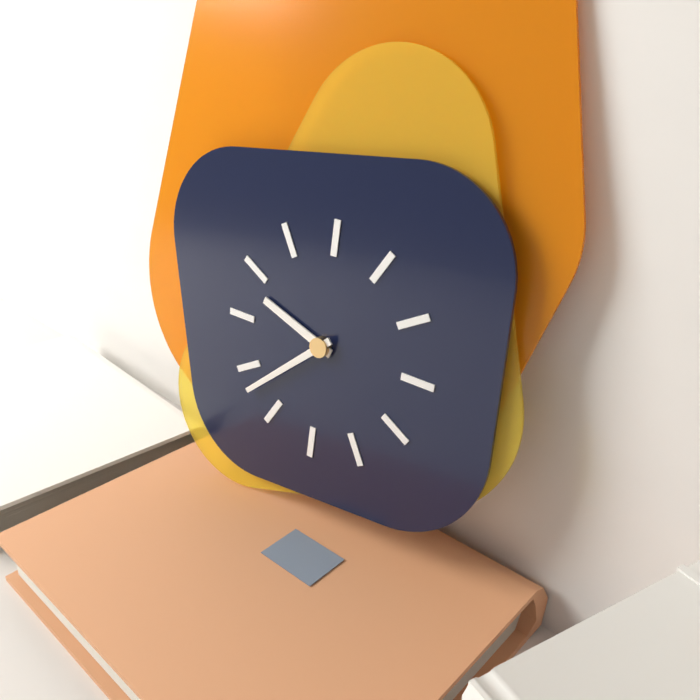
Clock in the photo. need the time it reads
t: 9:38
